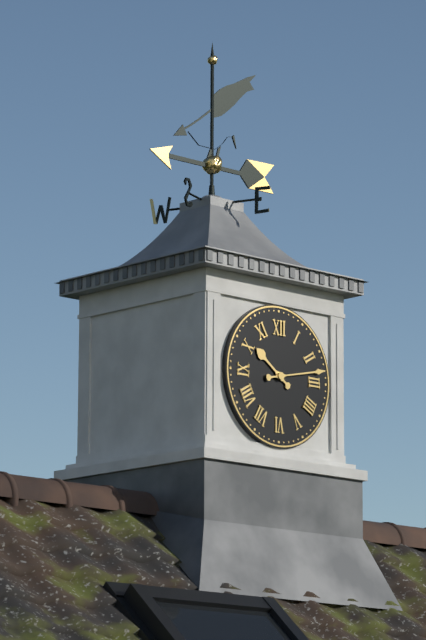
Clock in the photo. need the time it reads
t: 10:13
